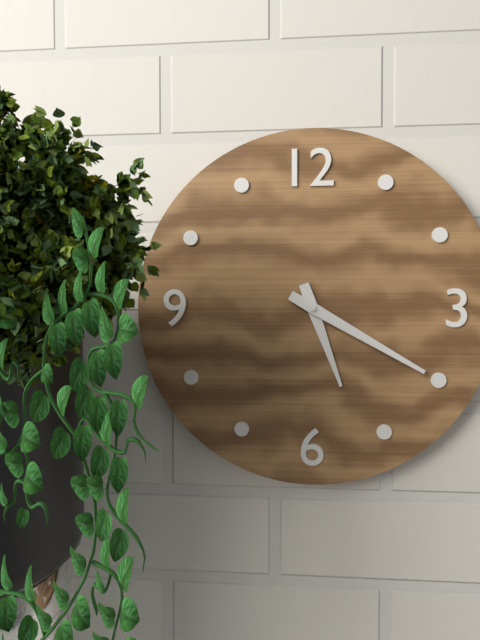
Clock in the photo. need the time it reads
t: 5:20
